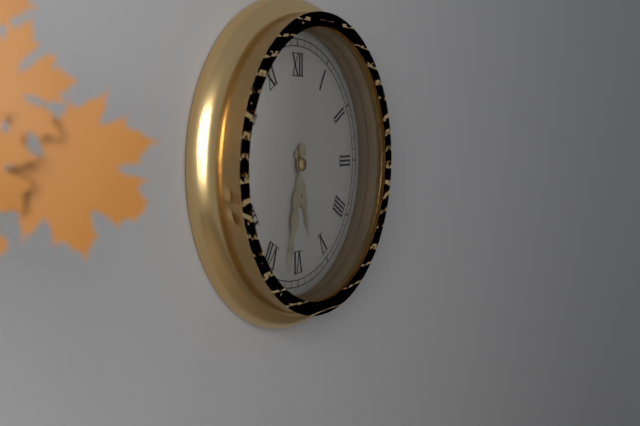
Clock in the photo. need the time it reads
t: 5:32
